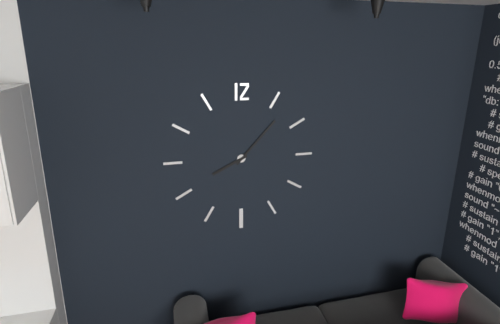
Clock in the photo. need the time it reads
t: 8:07
